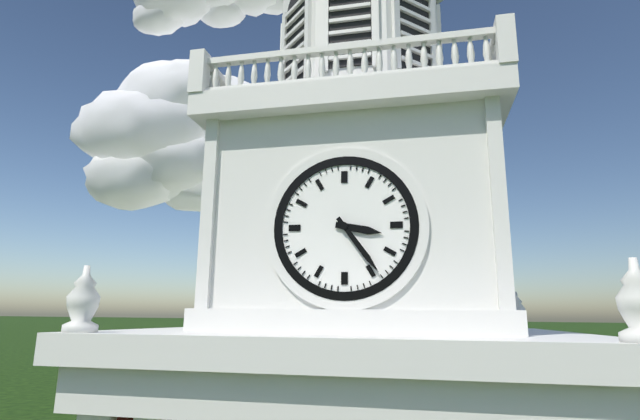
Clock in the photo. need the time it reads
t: 3:24
